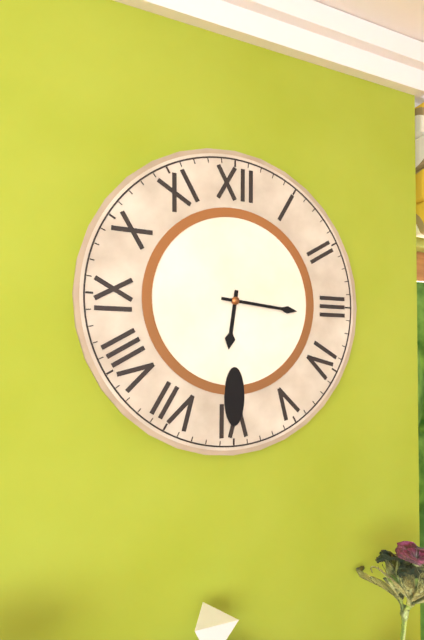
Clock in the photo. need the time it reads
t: 6:16
